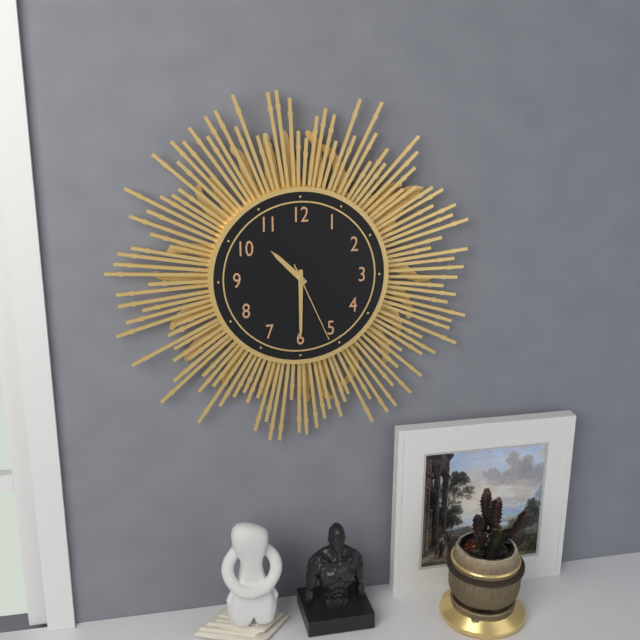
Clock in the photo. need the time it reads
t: 10:30:26
